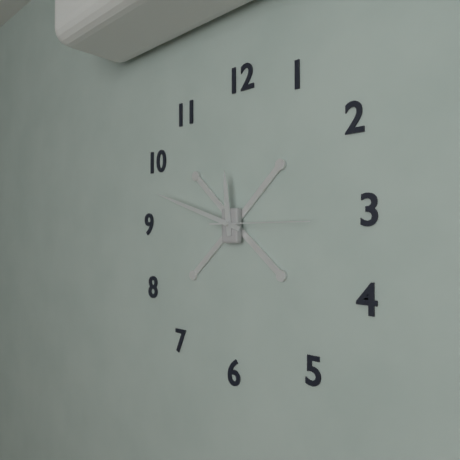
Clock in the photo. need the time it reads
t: 11:48:15
